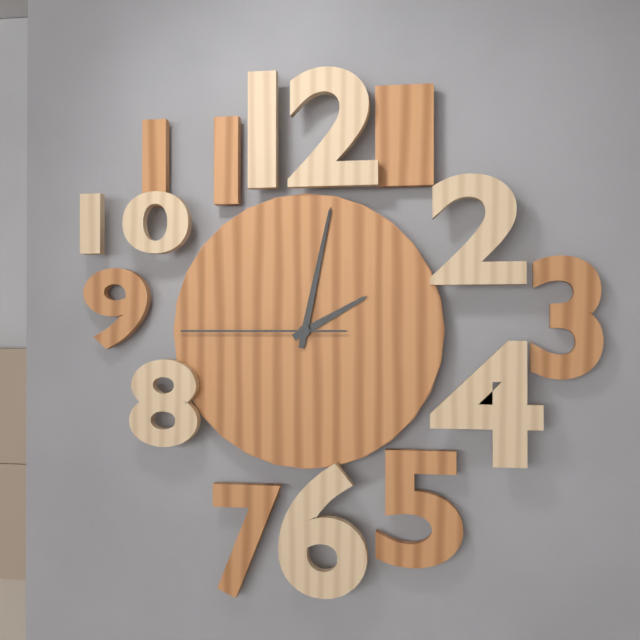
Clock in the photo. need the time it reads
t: 2:02:45
